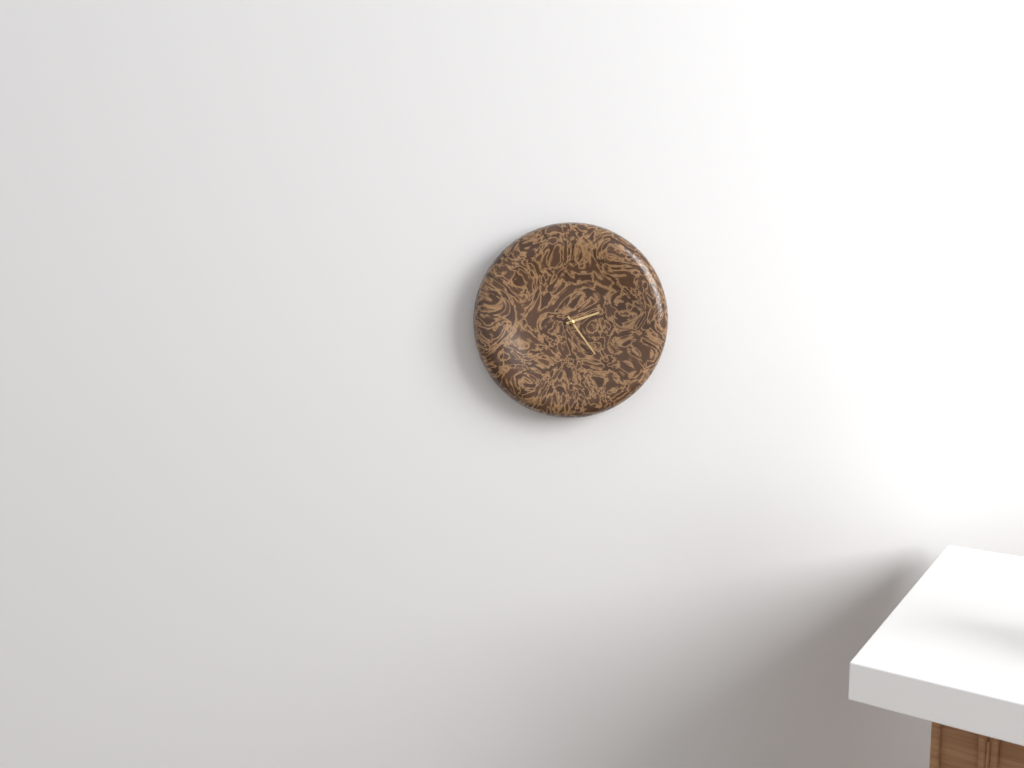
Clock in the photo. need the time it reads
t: 2:24
